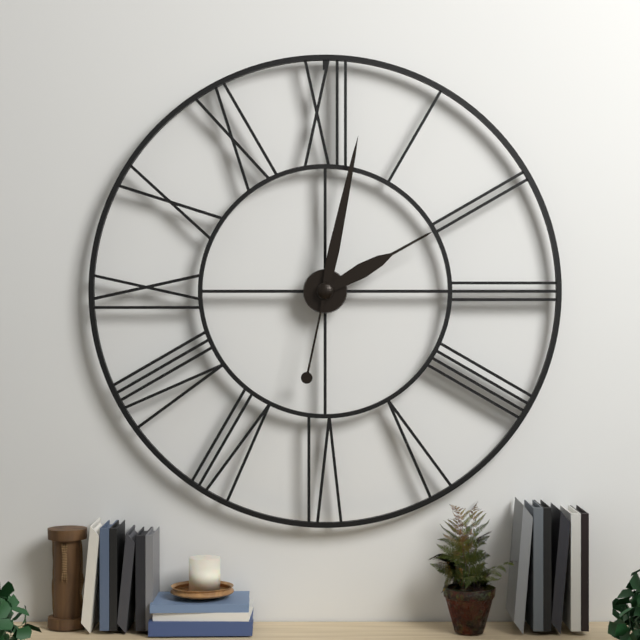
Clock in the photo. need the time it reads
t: 2:02
